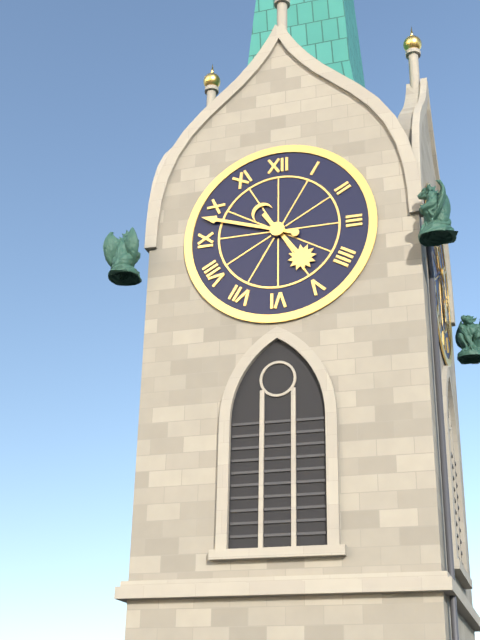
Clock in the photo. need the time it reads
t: 4:48
